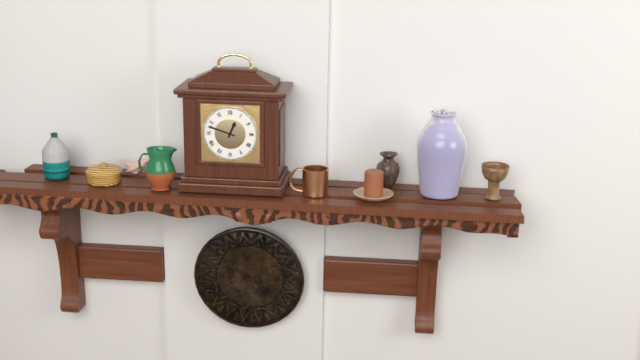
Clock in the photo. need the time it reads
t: 12:48
